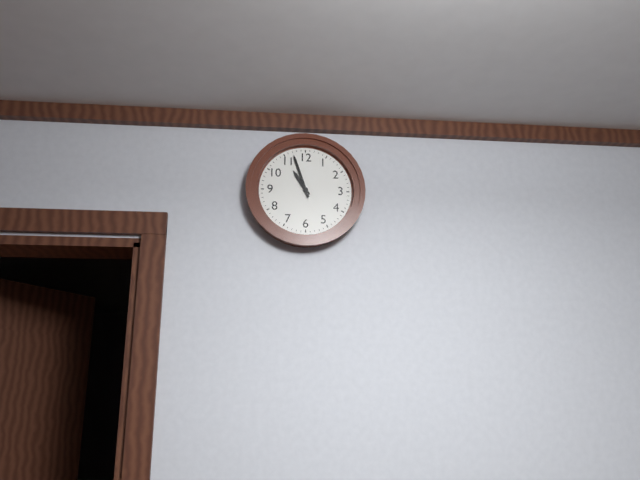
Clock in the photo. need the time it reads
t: 10:57
